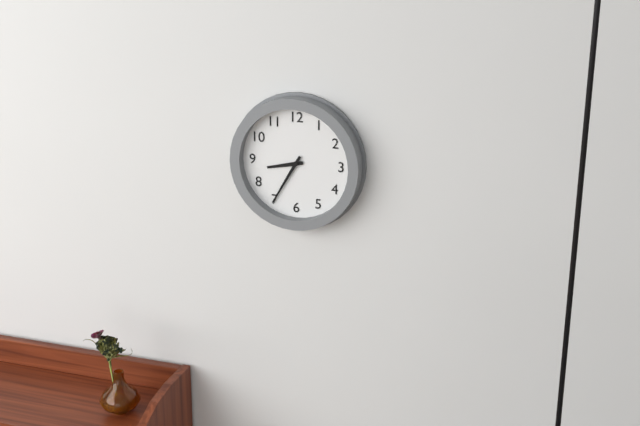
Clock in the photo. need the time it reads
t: 8:35
